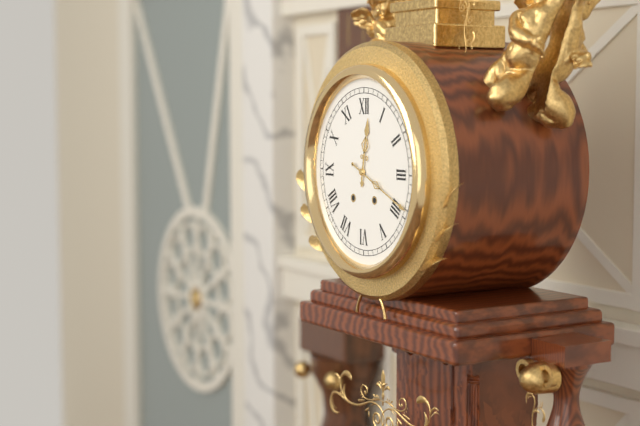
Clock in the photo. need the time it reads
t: 12:19
